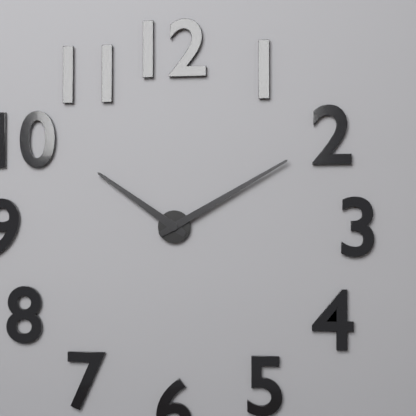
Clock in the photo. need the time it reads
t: 10:10
